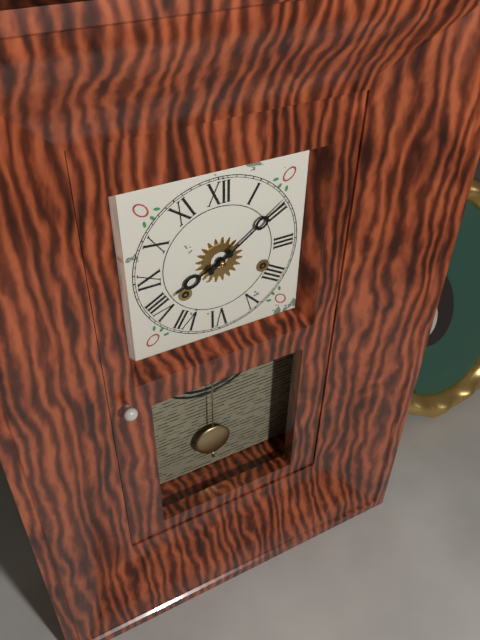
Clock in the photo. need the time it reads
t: 8:09
